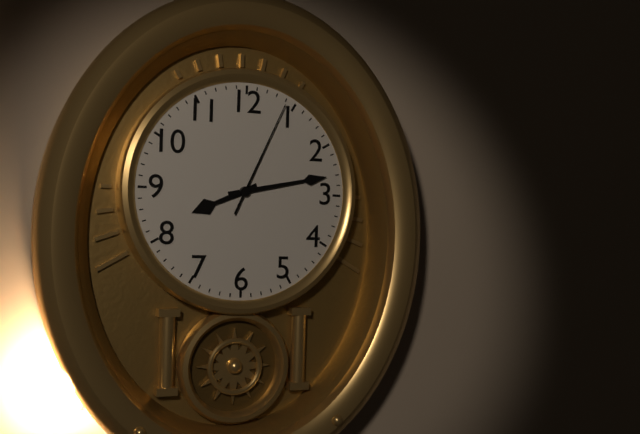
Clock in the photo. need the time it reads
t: 8:13:04
